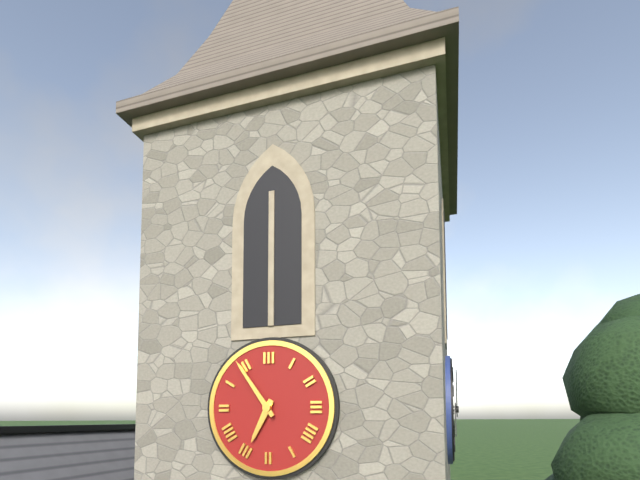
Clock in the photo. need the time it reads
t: 6:54
